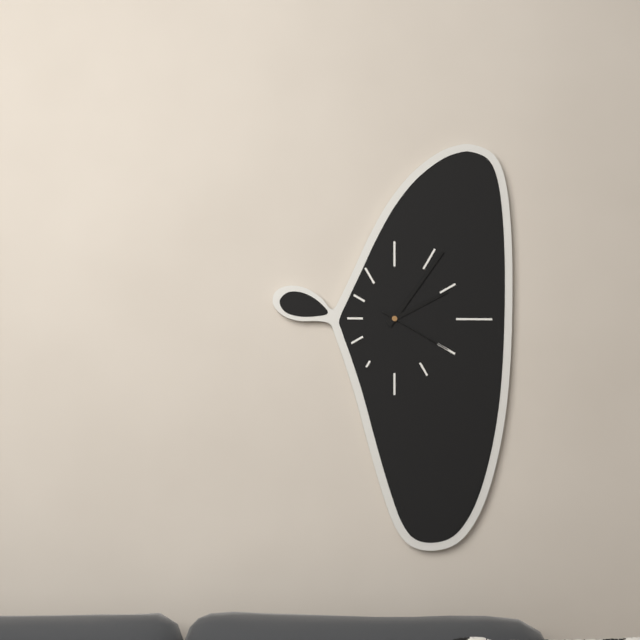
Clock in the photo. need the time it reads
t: 2:06:20
